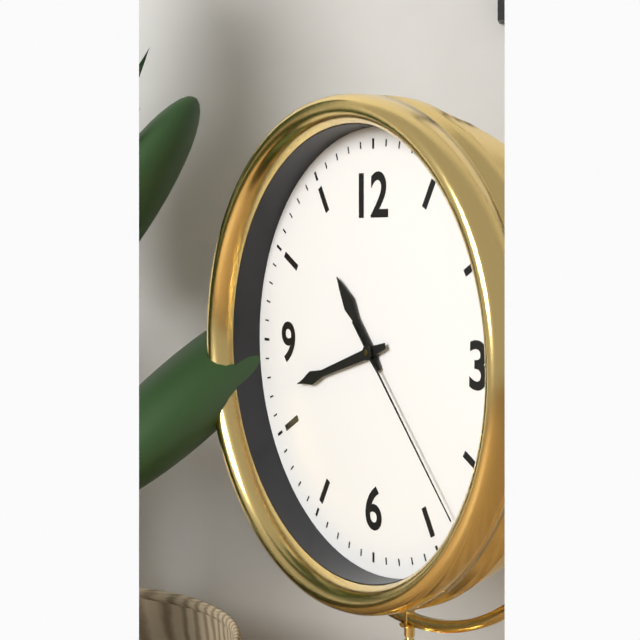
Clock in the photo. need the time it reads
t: 10:42:23
